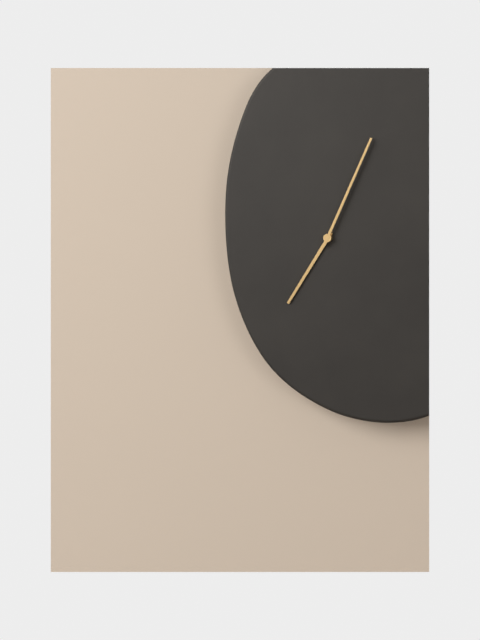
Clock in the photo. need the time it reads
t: 7:04
